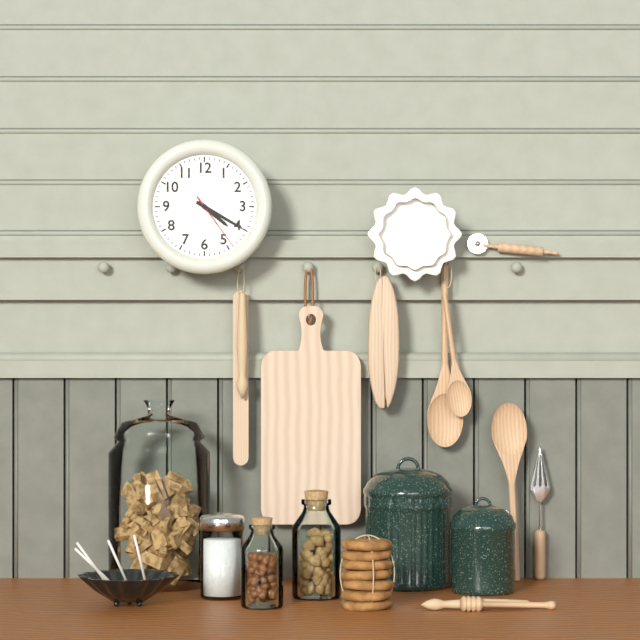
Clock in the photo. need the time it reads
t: 4:20:24
